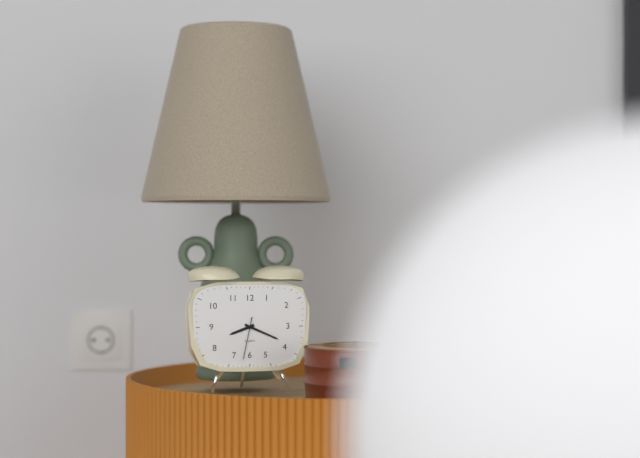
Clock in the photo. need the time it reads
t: 8:19
